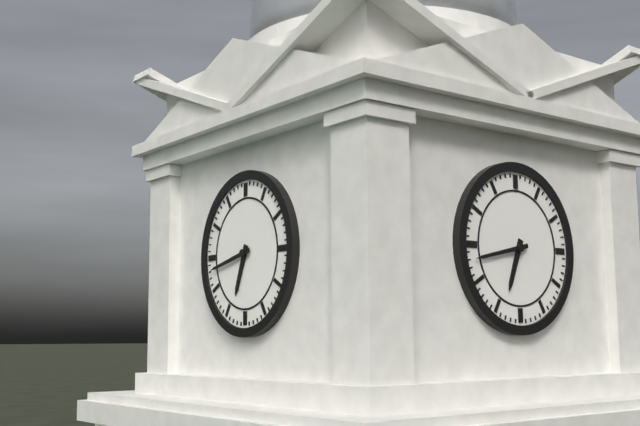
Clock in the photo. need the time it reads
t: 6:43
